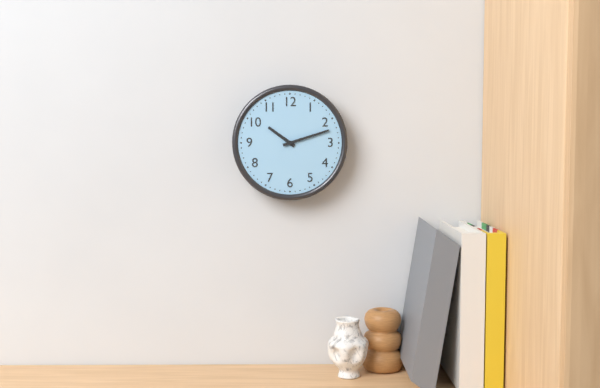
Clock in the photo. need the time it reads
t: 10:12
